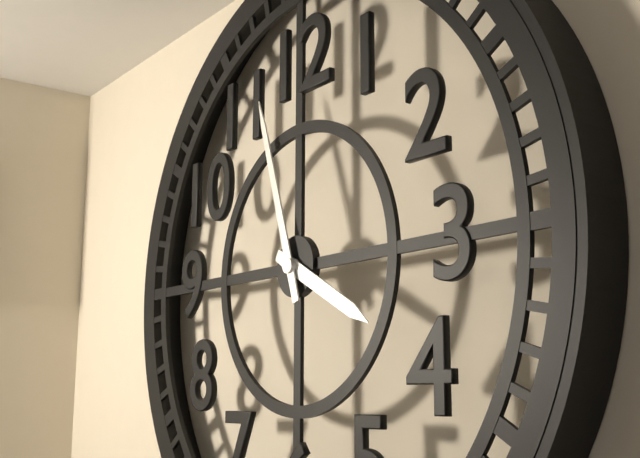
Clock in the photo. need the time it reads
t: 3:57
